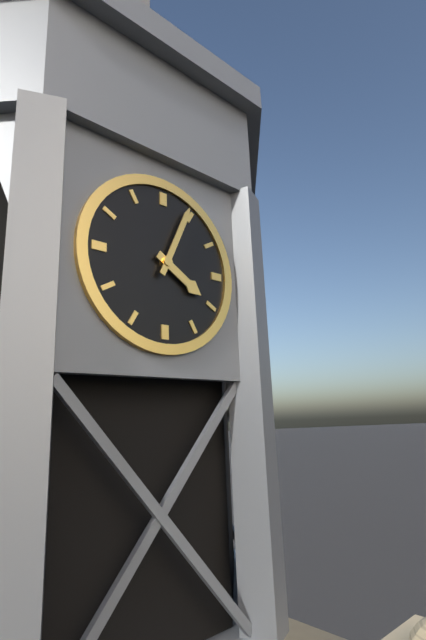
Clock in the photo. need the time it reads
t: 4:04
